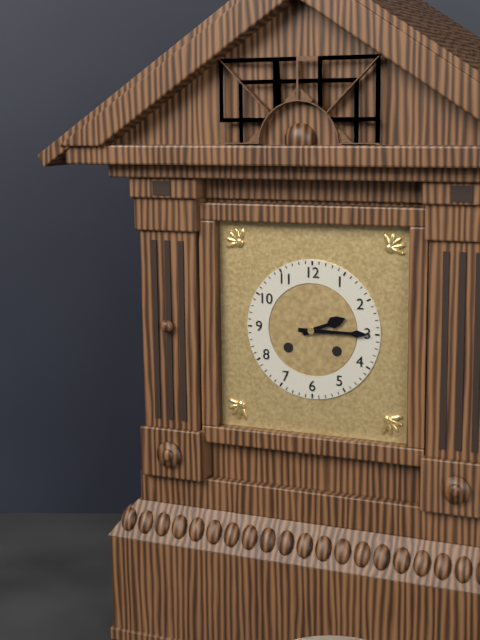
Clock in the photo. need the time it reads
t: 2:15
